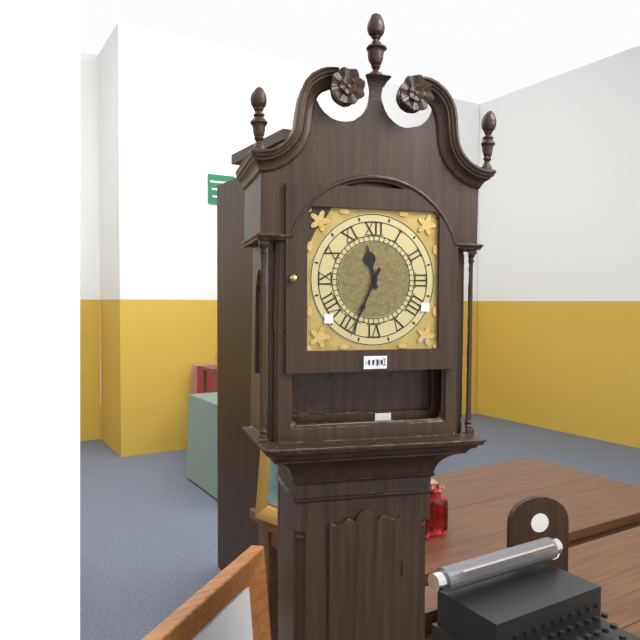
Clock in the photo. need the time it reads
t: 11:34
